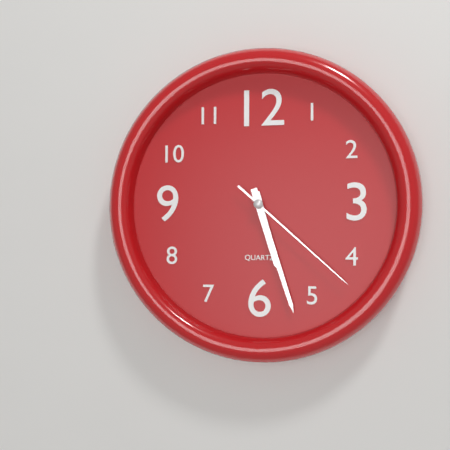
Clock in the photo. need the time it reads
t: 5:27:22
